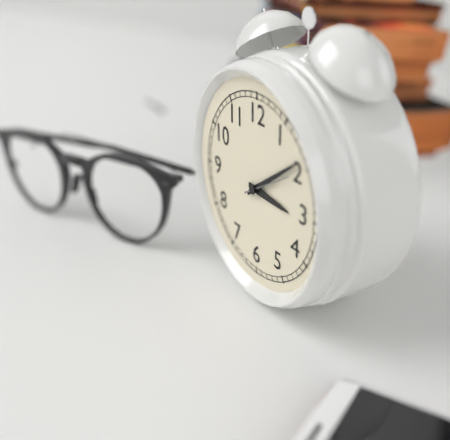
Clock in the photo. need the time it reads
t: 3:09
